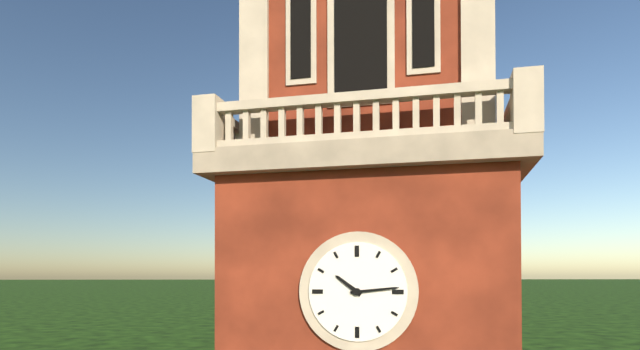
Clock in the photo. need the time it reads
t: 10:14
